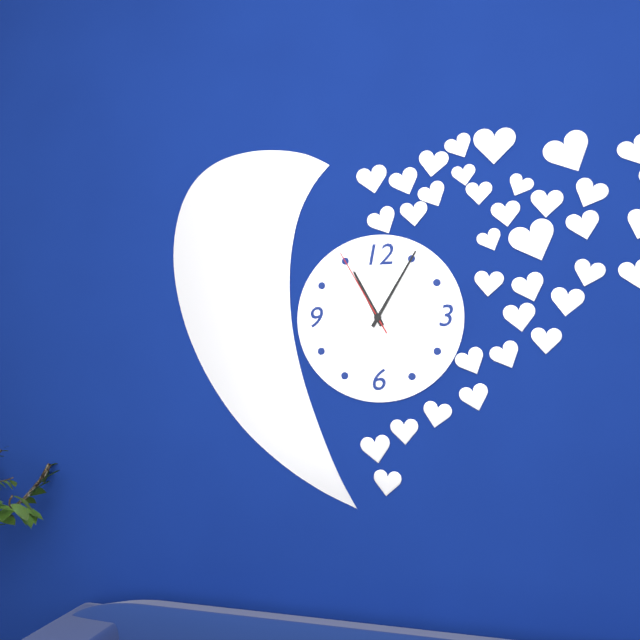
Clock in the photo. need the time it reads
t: 11:05:55
